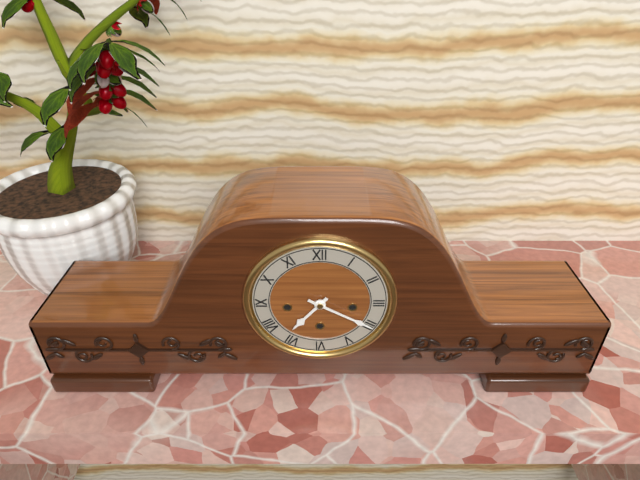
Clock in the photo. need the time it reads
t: 7:20
